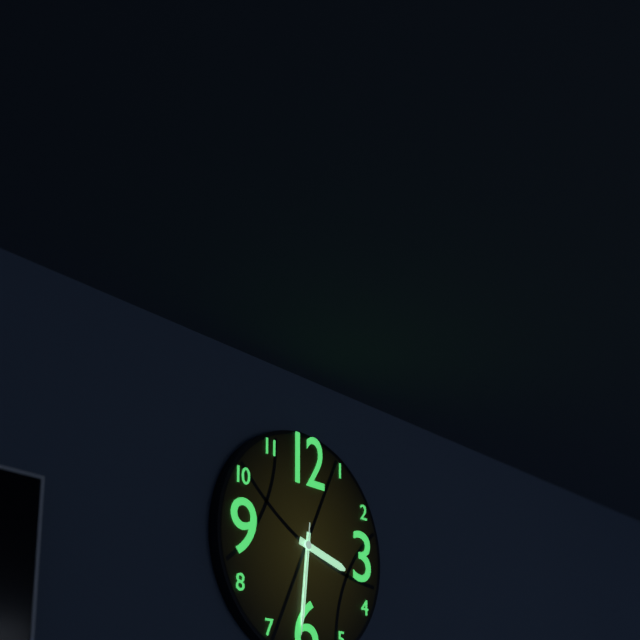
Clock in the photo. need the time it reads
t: 3:31:31
